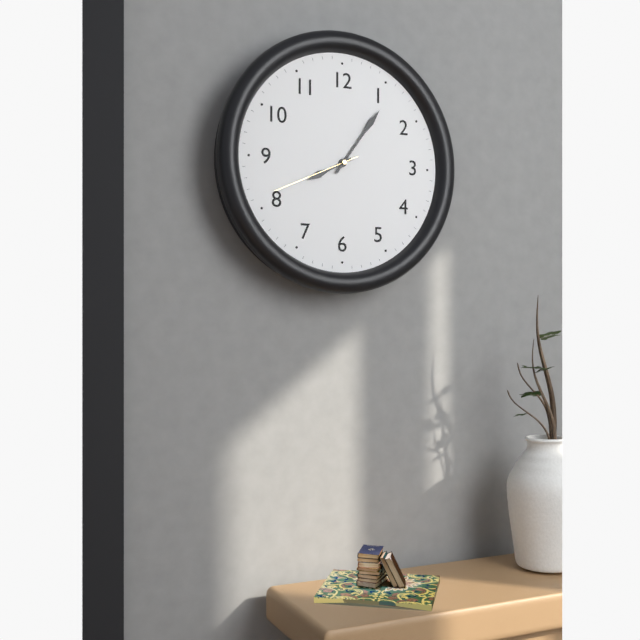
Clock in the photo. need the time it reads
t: 8:06:41
